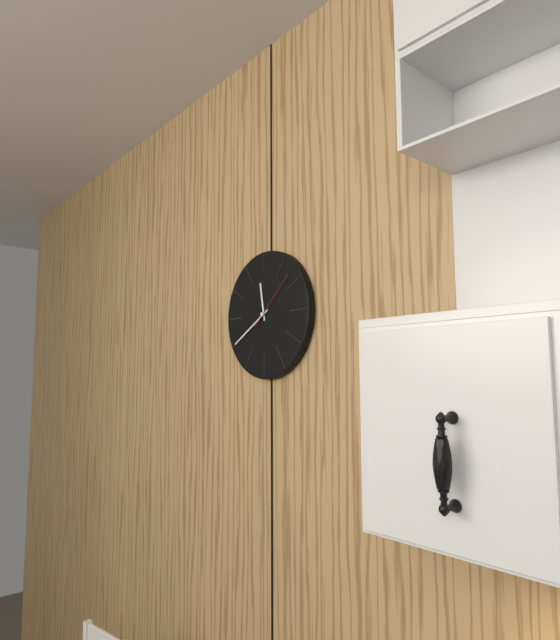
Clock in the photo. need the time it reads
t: 11:40:08
